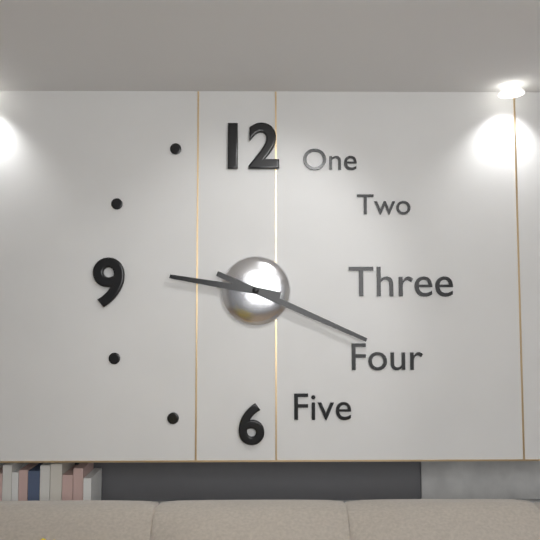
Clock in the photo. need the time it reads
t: 9:19
